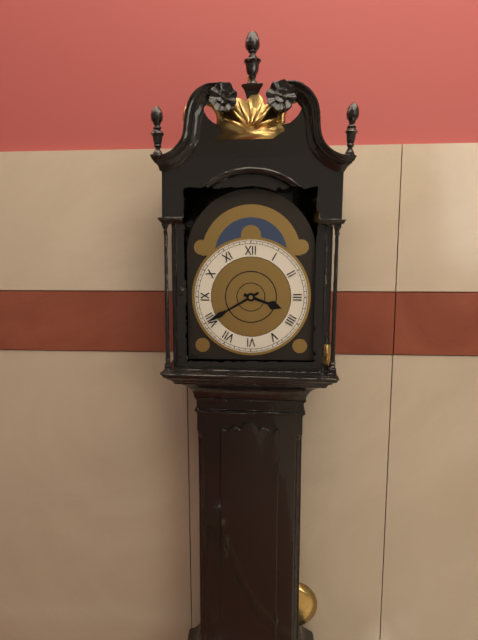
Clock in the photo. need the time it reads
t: 3:40
